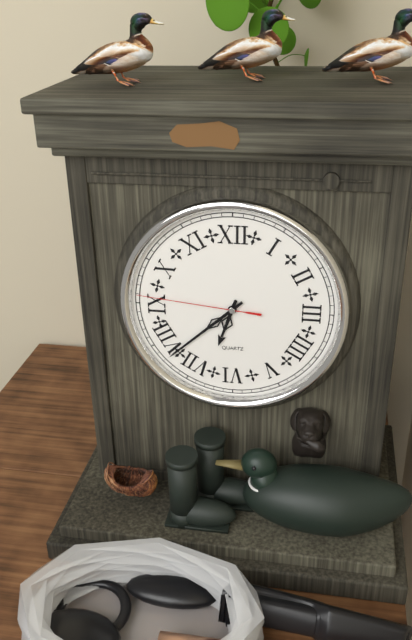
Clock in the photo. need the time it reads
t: 6:38:46
